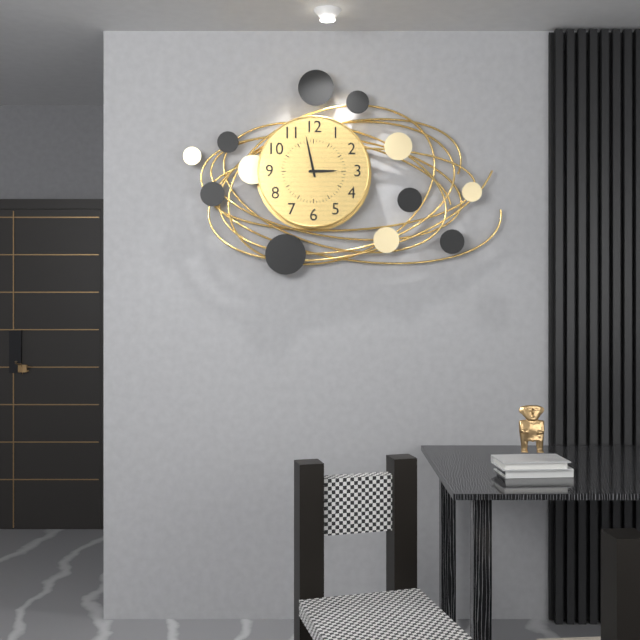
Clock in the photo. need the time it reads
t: 2:58
